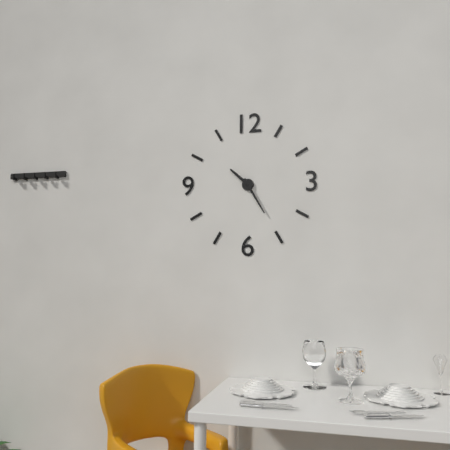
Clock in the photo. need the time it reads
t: 10:25
